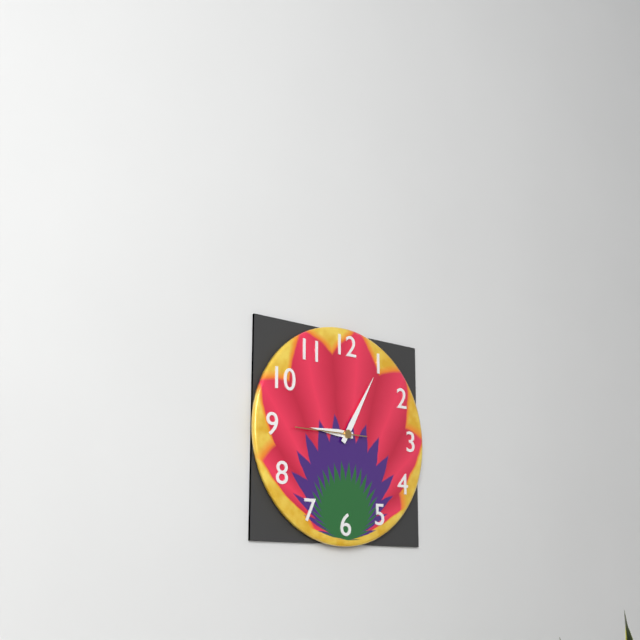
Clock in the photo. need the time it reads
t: 9:05:45
